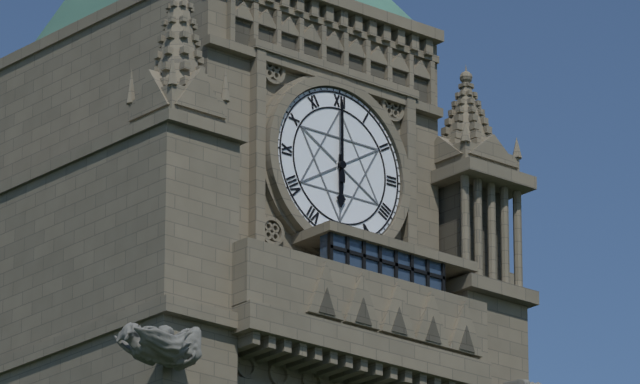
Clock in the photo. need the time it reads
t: 6:00
